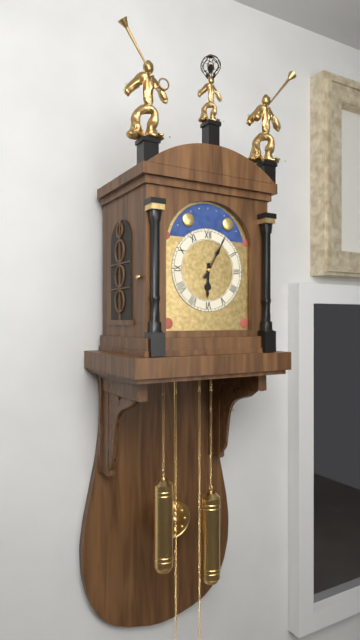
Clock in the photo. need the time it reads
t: 6:05
